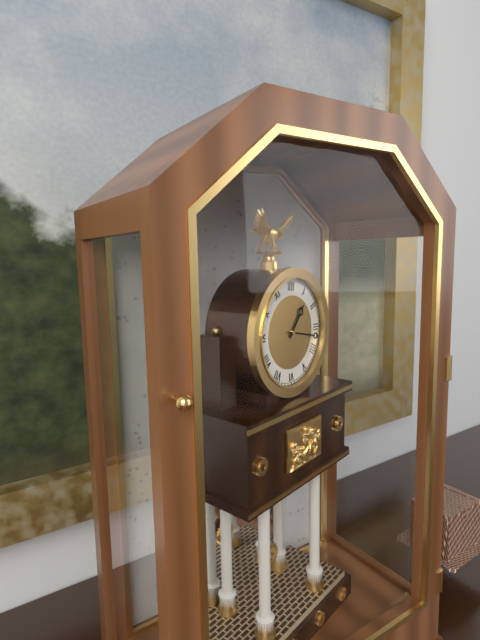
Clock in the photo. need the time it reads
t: 1:17
